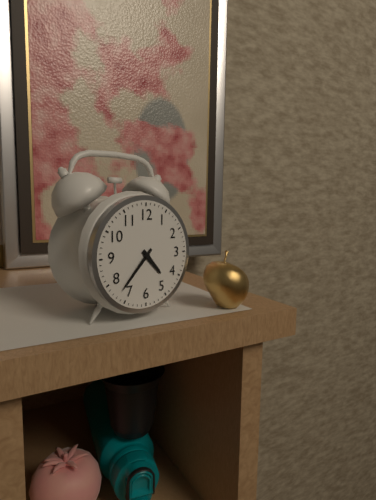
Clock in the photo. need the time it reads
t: 4:37
